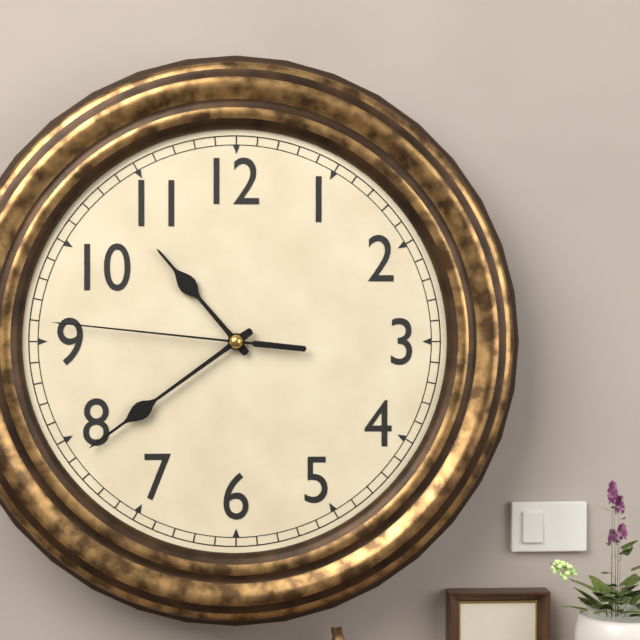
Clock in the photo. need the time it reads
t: 10:39:46
